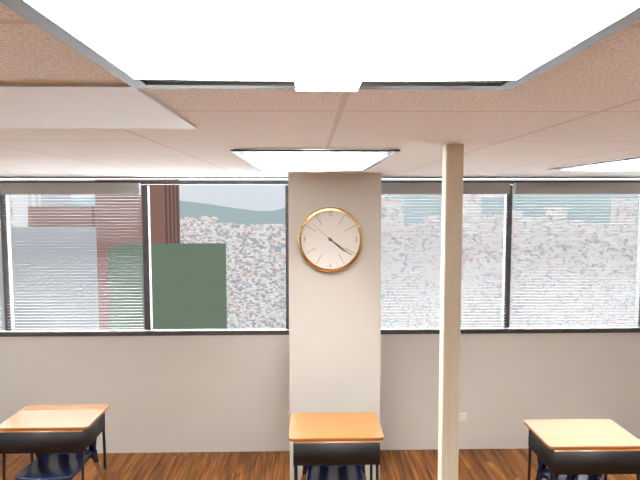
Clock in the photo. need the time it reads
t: 4:21
